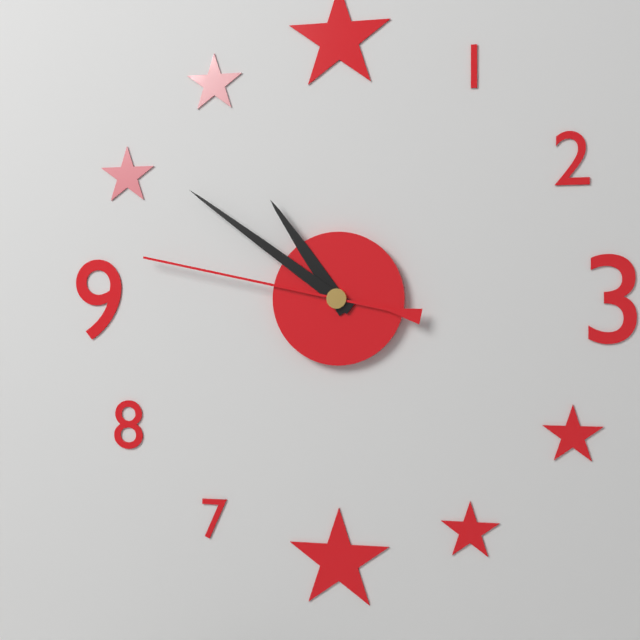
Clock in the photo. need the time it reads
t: 10:51:47
